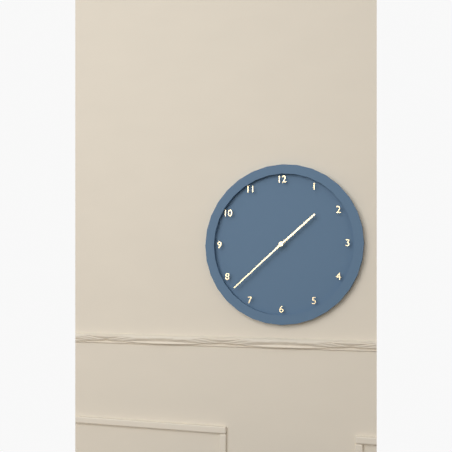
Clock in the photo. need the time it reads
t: 1:38
